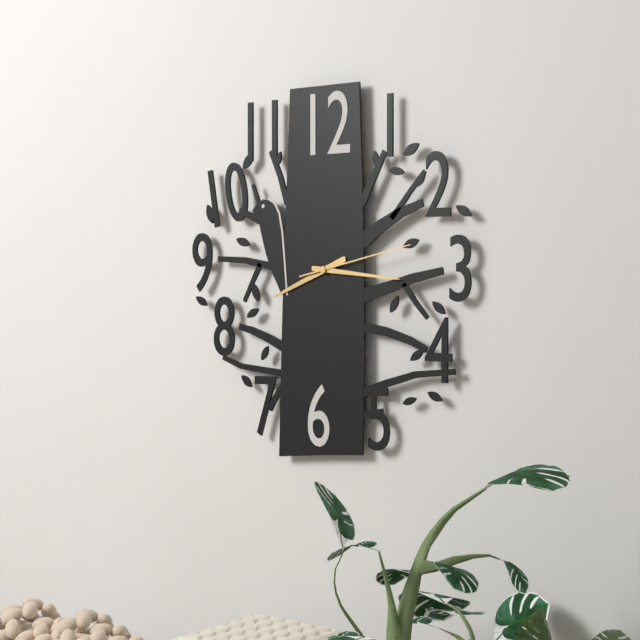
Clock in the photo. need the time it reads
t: 8:16:13
